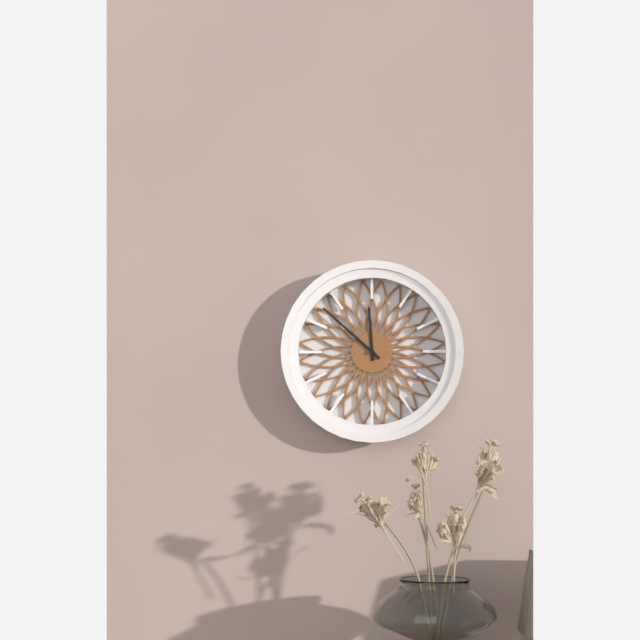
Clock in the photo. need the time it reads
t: 11:52
